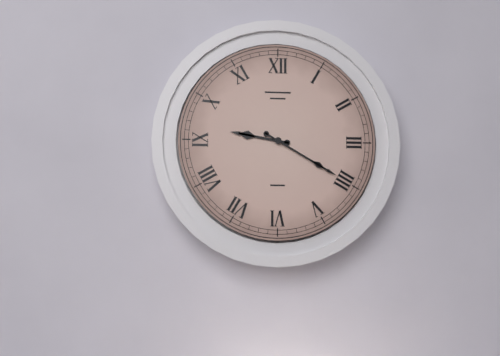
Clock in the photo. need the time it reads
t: 9:20
